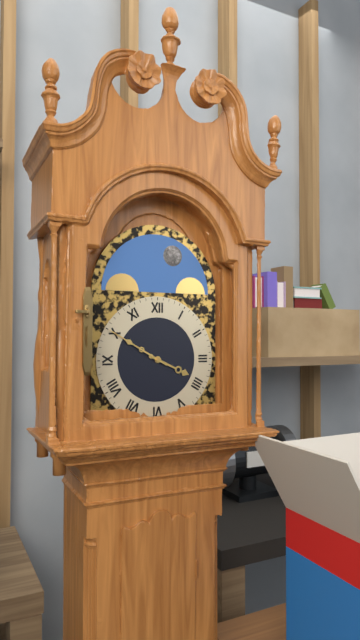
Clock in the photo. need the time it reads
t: 3:50
